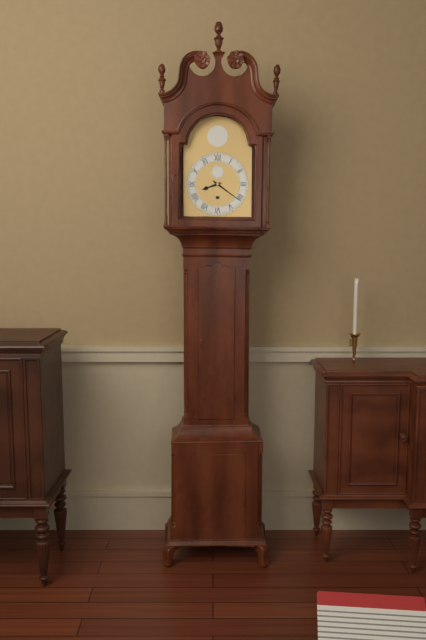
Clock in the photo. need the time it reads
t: 8:21
